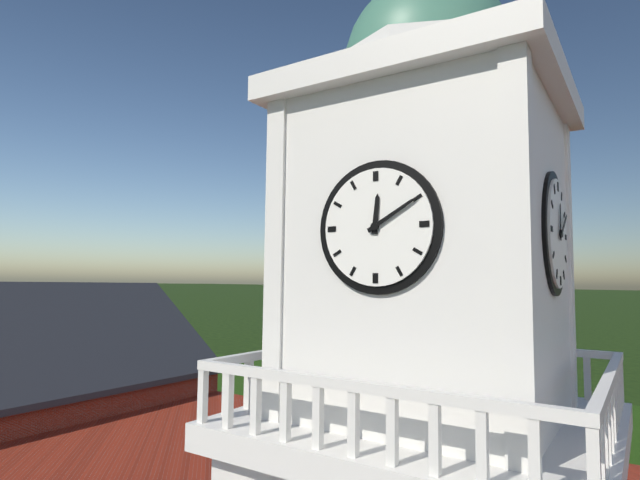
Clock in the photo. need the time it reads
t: 12:10
